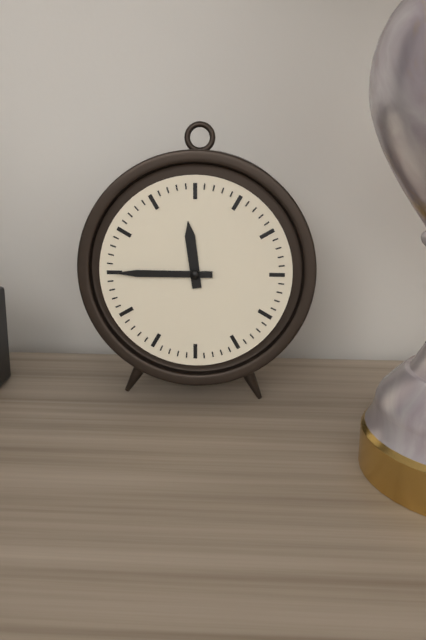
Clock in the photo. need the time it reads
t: 11:45
